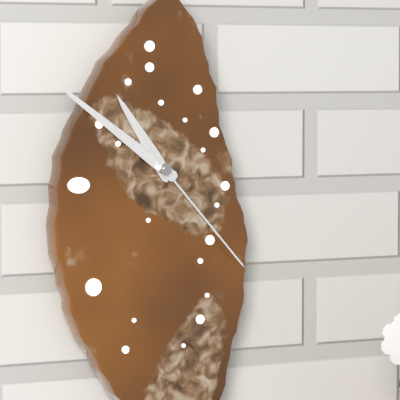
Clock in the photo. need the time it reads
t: 10:51:23
